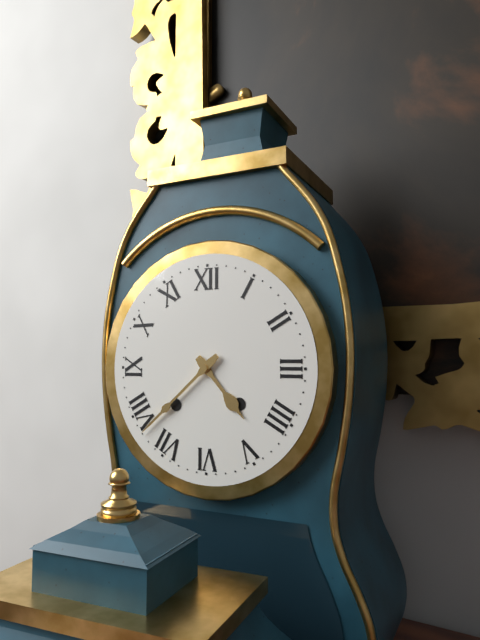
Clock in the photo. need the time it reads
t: 4:38
